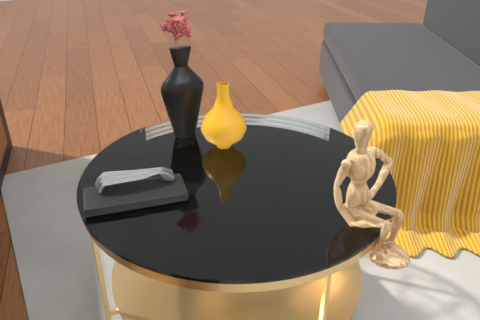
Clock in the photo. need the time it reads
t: 10:10
